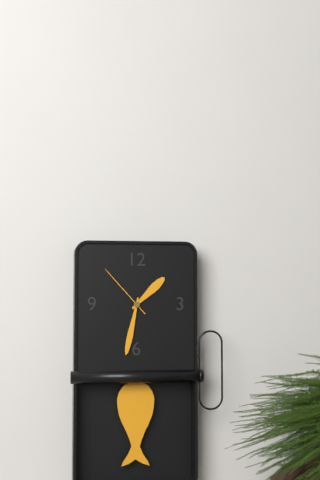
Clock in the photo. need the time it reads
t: 1:32:53
